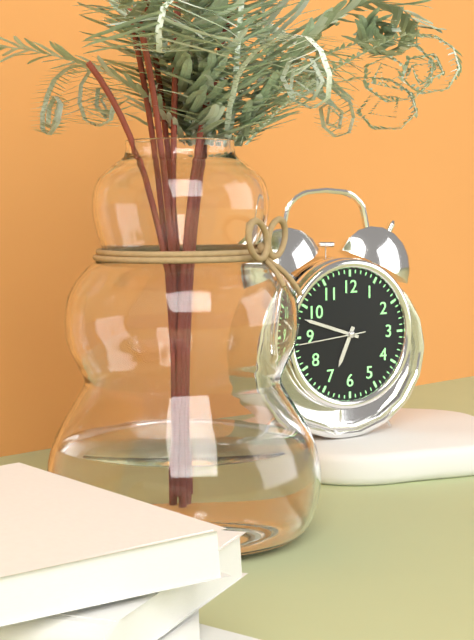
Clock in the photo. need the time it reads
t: 6:48:44
